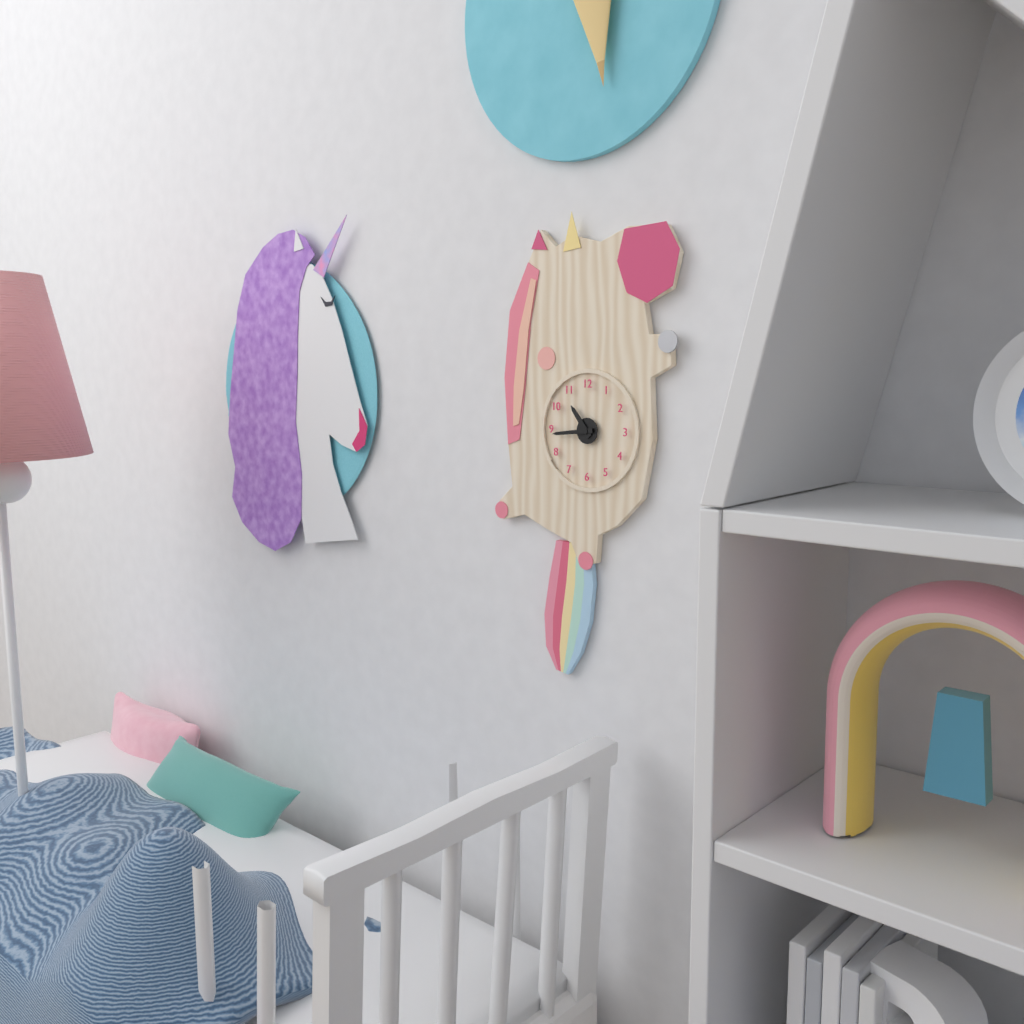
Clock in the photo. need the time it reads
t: 10:44
